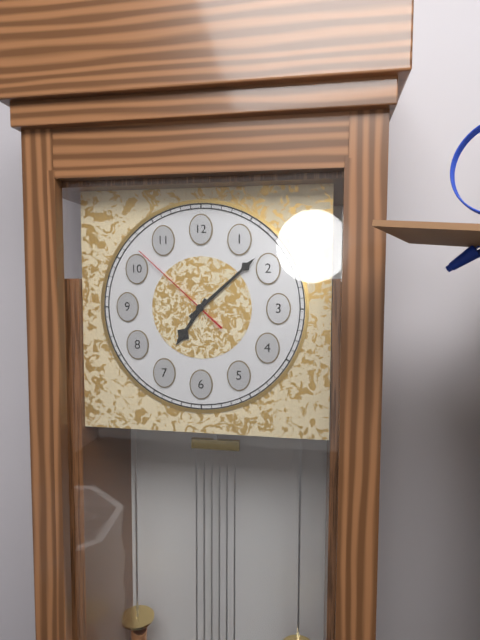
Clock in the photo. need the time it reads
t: 7:08:52
